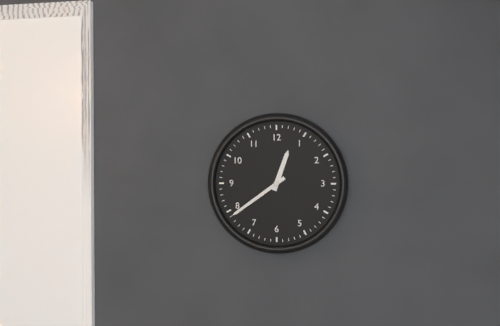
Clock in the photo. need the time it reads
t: 12:39
